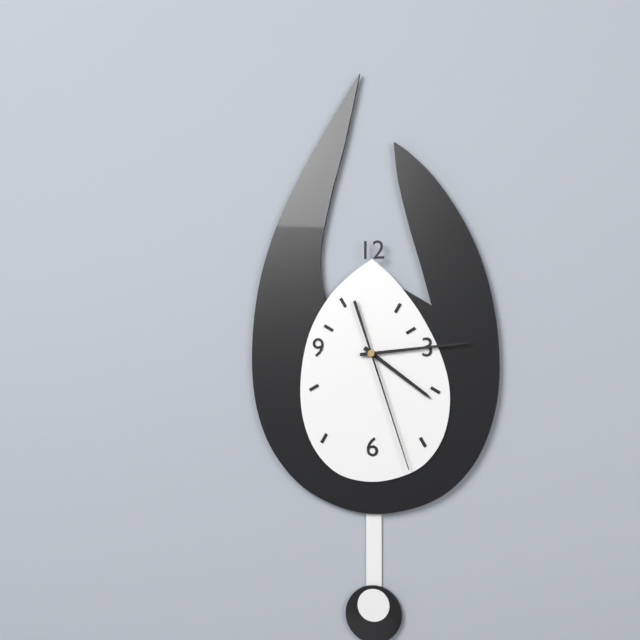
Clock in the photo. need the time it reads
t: 4:14:27
